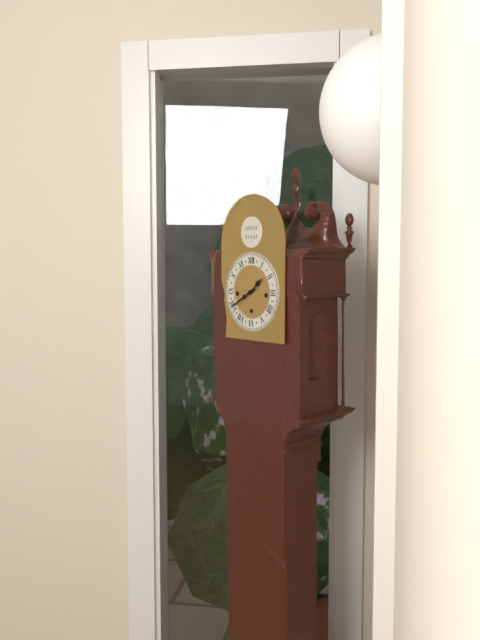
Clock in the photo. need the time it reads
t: 1:40
